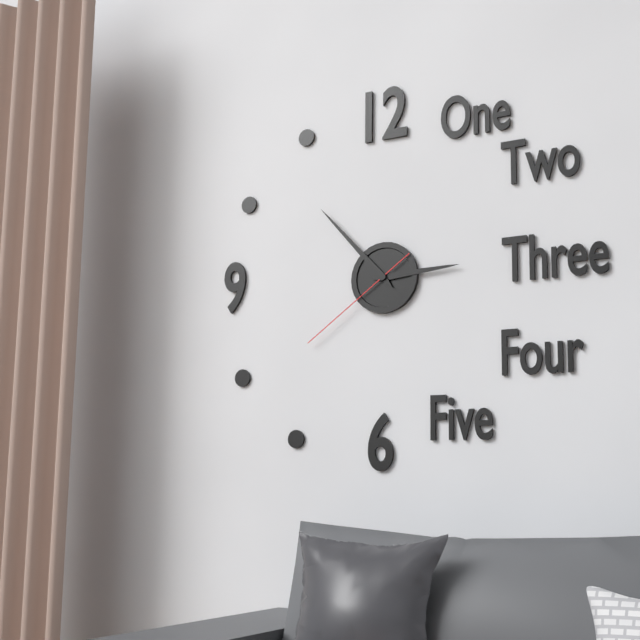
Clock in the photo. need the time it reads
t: 2:53:39
